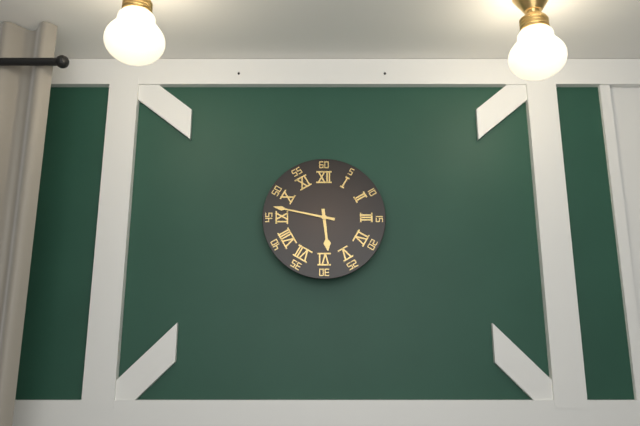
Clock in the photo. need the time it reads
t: 5:47
